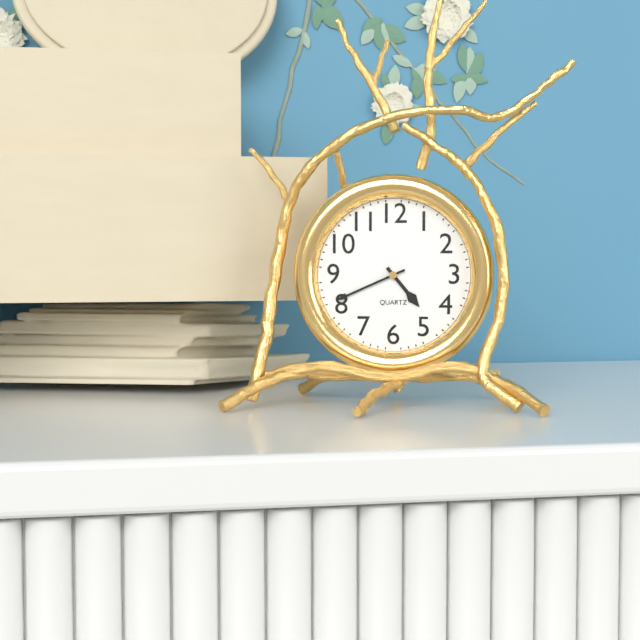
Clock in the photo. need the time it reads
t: 4:41
